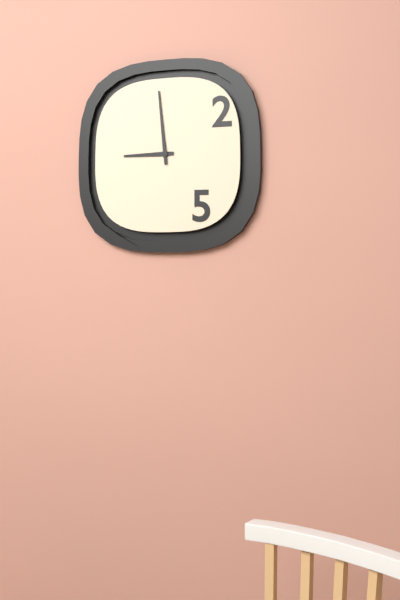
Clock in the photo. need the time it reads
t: 8:59
